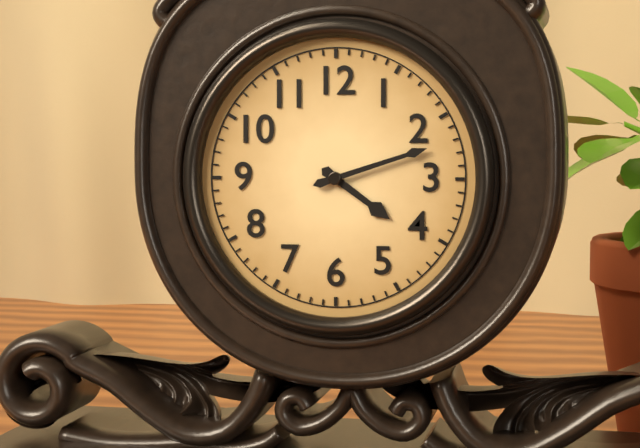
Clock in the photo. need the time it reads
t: 4:12
